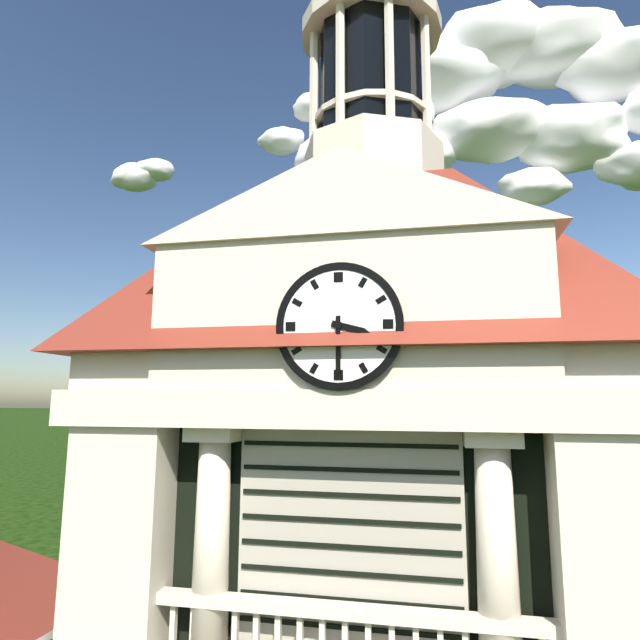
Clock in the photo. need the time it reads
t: 3:30
